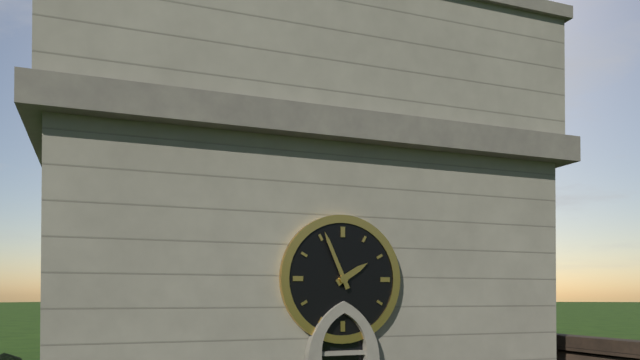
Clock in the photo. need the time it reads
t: 1:56
